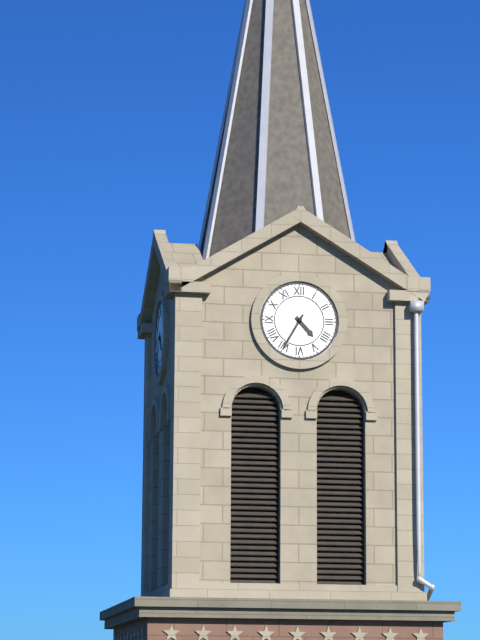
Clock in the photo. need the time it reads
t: 4:35
